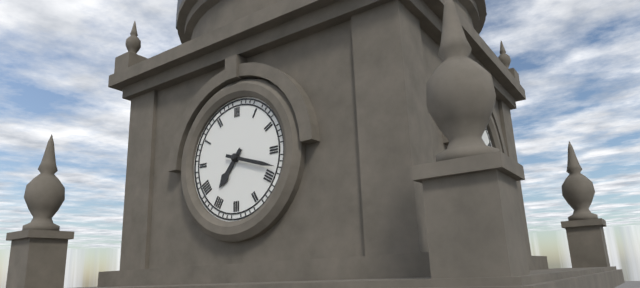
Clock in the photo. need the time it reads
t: 7:18
